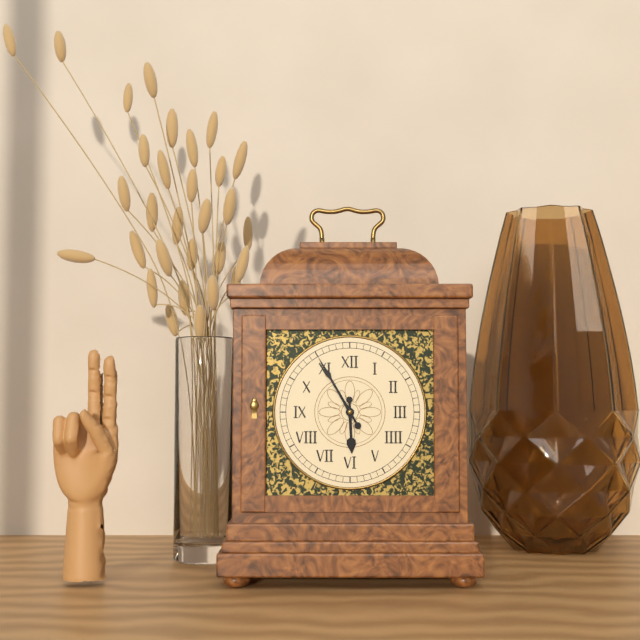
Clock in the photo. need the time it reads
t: 5:55
